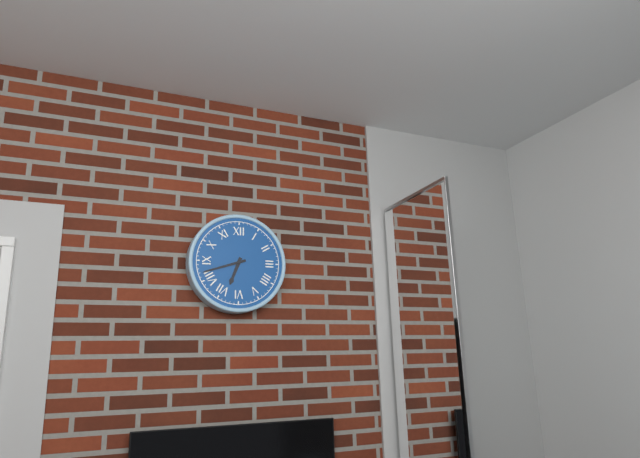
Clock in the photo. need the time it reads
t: 6:42
